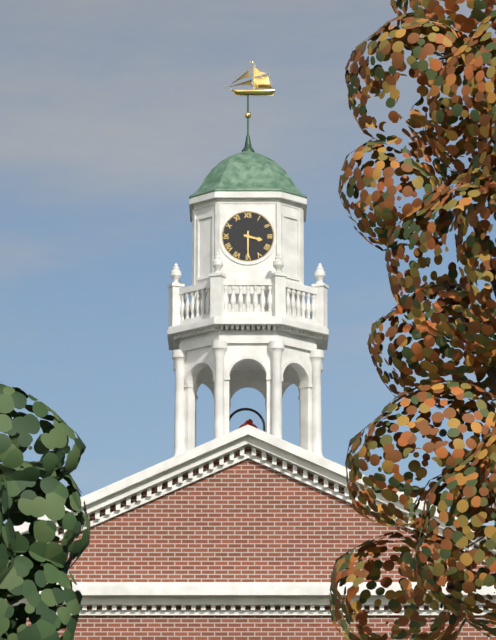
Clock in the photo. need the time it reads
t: 3:30
